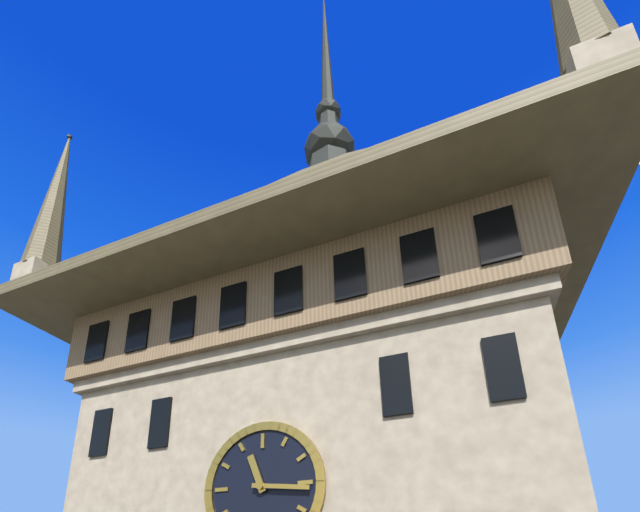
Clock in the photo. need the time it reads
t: 11:16
